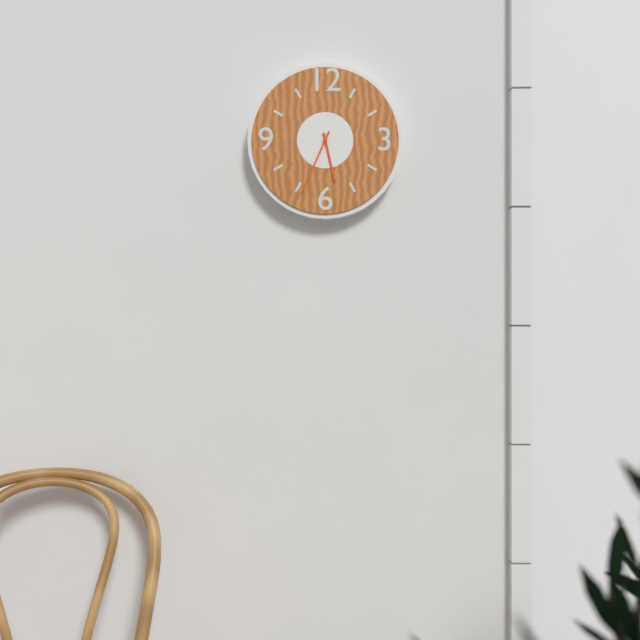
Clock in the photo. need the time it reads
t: 5:34
